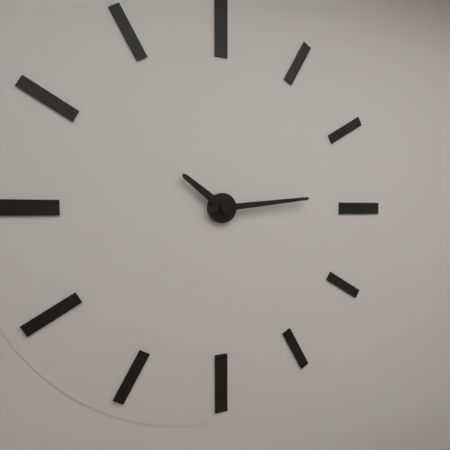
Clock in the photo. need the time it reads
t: 10:14
